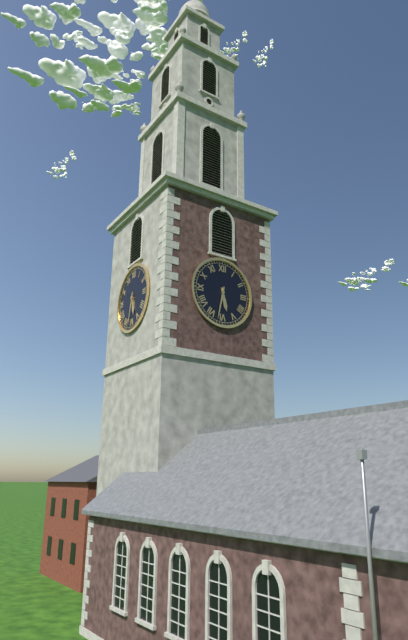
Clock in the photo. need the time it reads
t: 5:32
